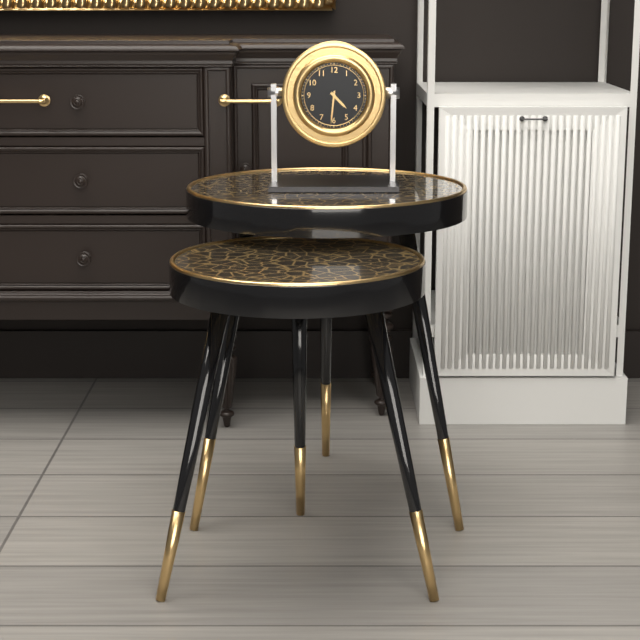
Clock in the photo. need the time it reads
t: 4:31
